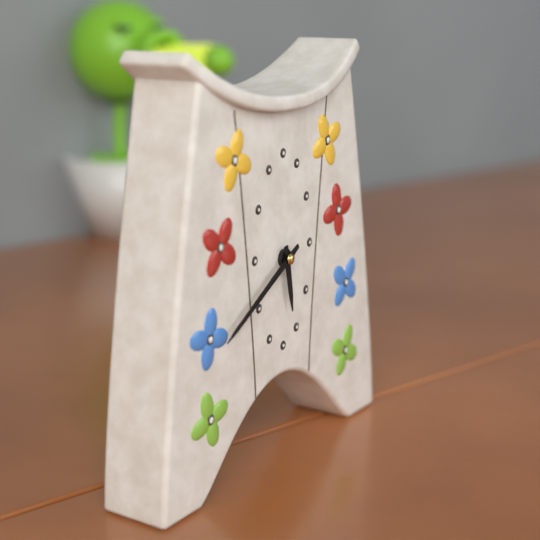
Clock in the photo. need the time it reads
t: 5:40
